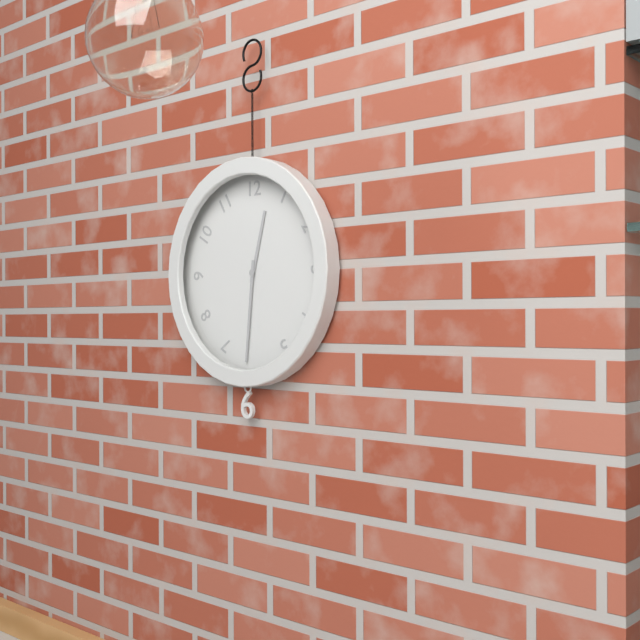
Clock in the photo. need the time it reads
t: 12:31
